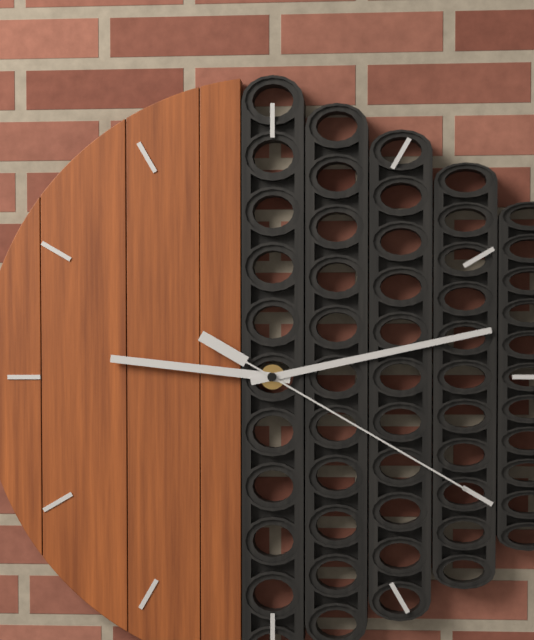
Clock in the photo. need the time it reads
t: 9:13:20
